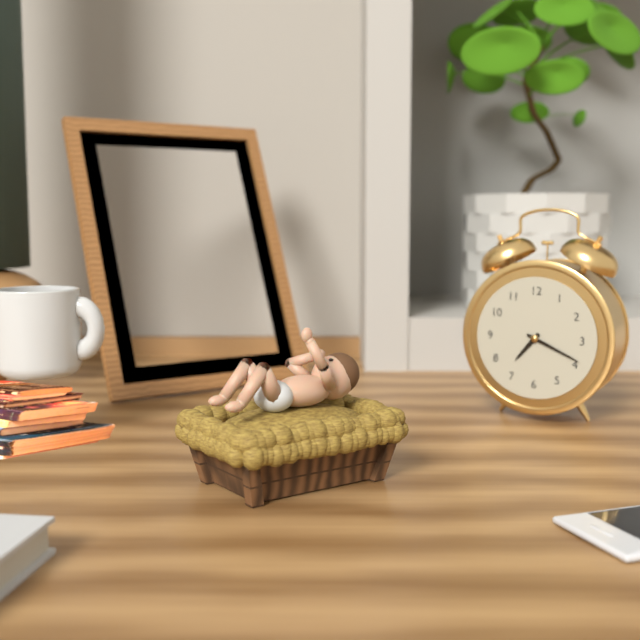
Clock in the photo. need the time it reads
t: 7:19
